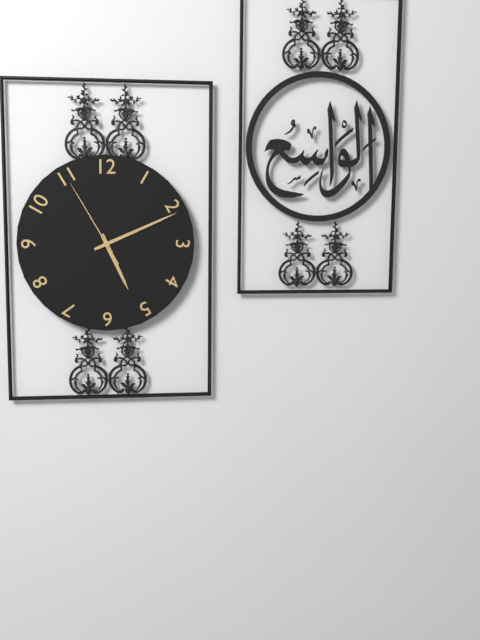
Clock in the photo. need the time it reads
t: 5:11:55
